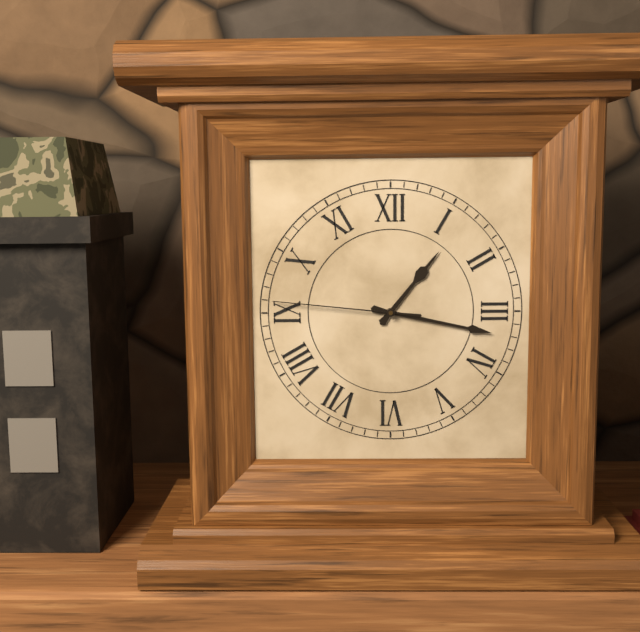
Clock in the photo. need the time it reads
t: 1:17:46
